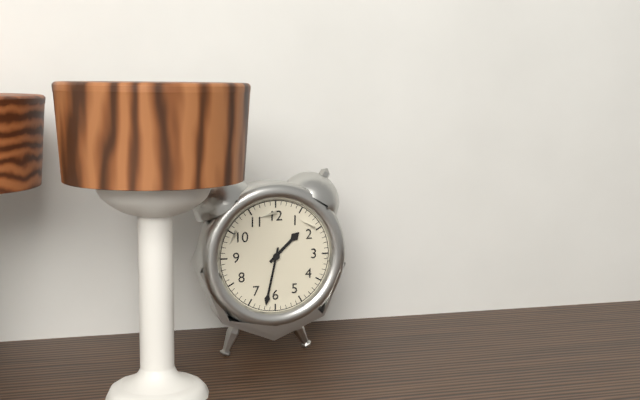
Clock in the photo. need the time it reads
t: 1:32
